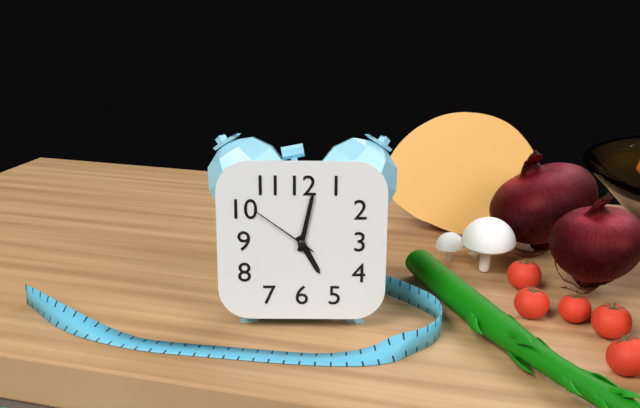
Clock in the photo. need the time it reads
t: 5:02:51
